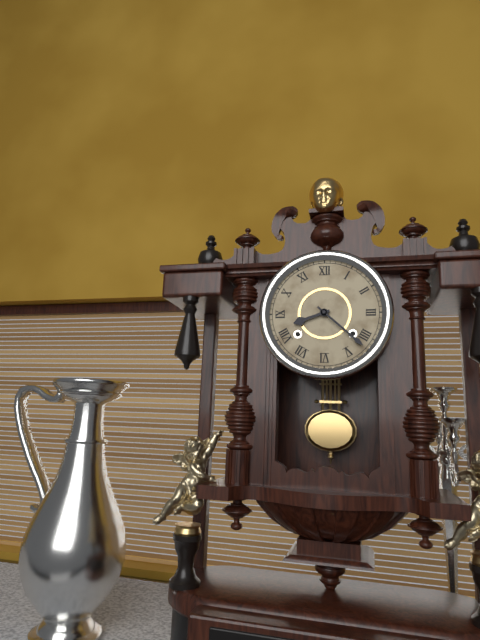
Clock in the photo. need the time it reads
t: 8:22
